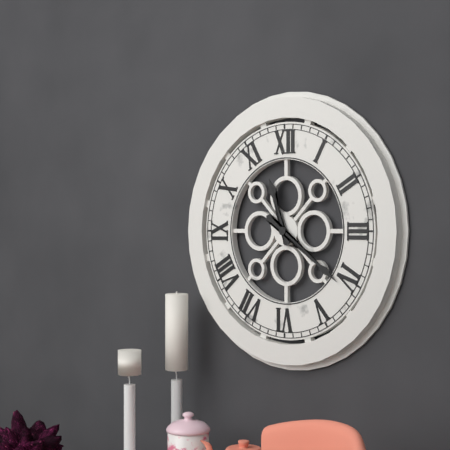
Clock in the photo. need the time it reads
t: 11:21
